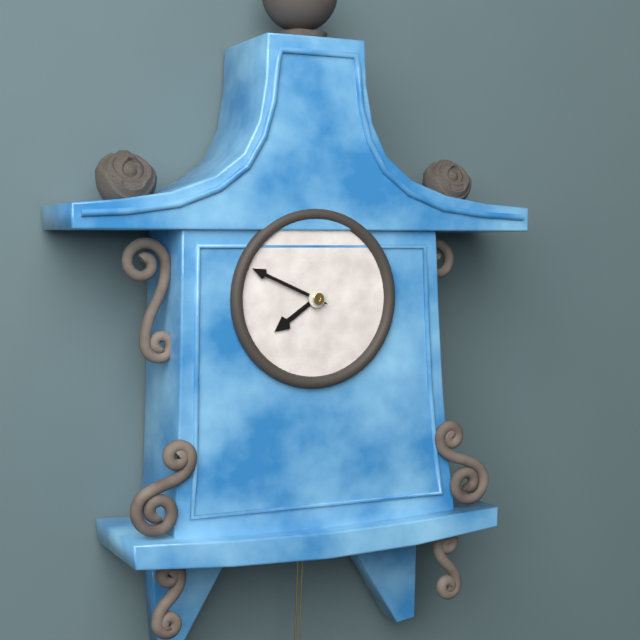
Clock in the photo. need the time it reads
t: 7:49
